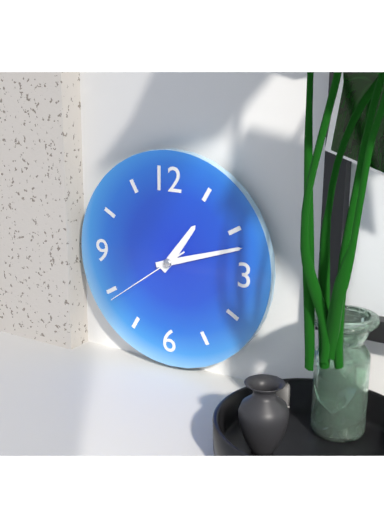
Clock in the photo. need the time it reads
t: 1:12:39
